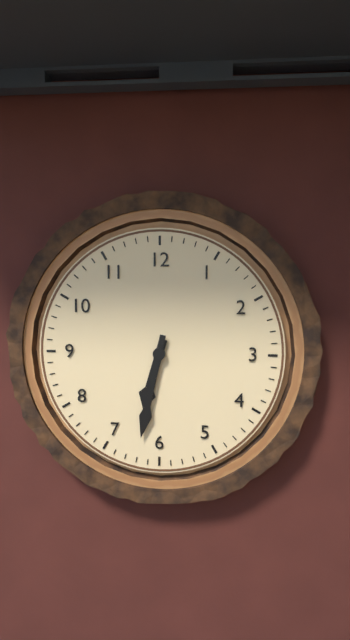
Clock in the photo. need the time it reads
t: 6:32
